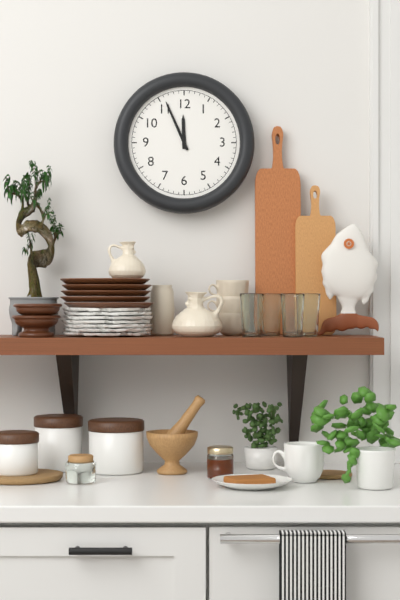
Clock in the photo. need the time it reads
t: 11:56
